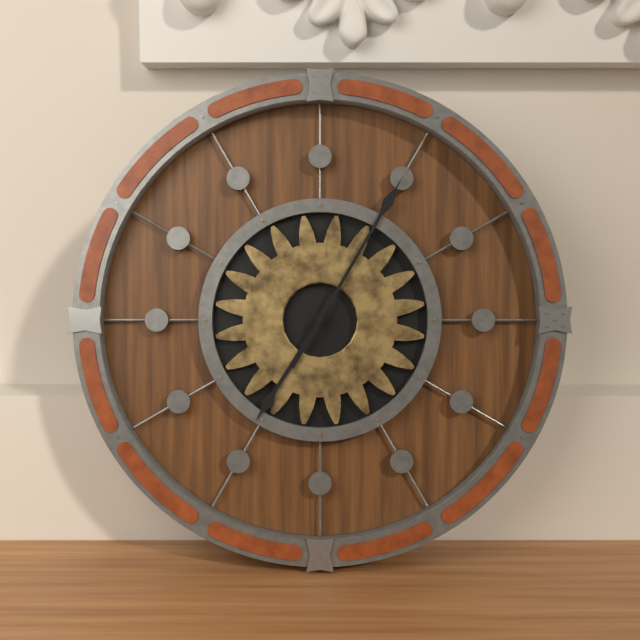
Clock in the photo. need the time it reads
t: 7:05
